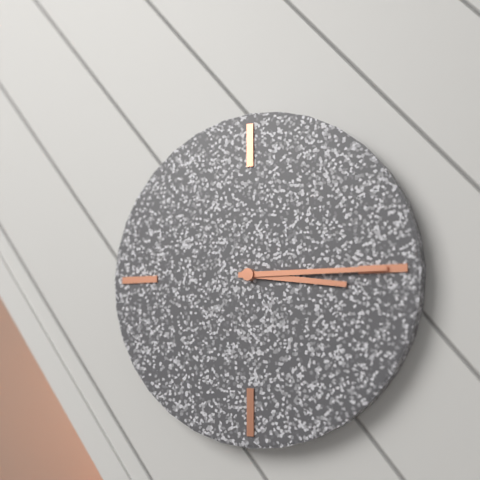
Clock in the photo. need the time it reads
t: 3:15
